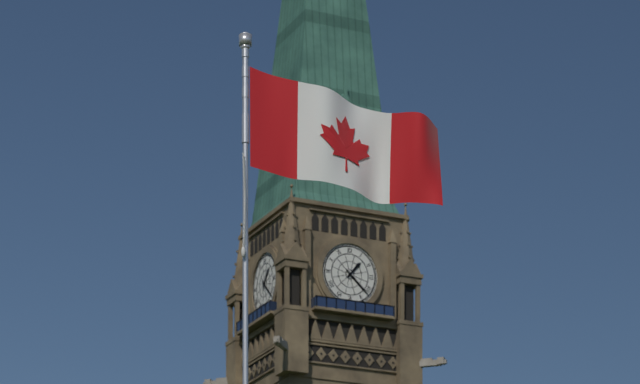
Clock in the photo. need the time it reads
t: 1:22
